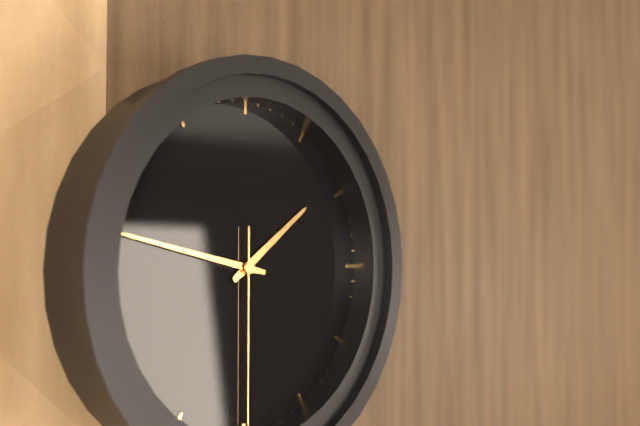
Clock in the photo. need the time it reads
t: 1:47
